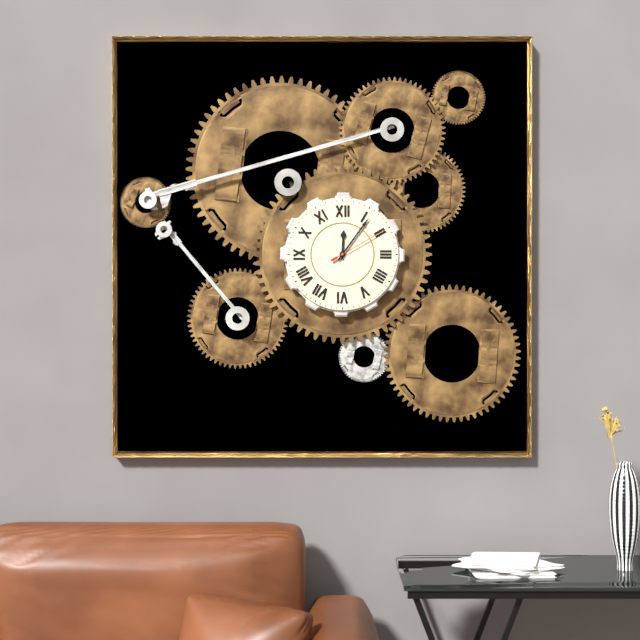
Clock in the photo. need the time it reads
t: 12:06:10
